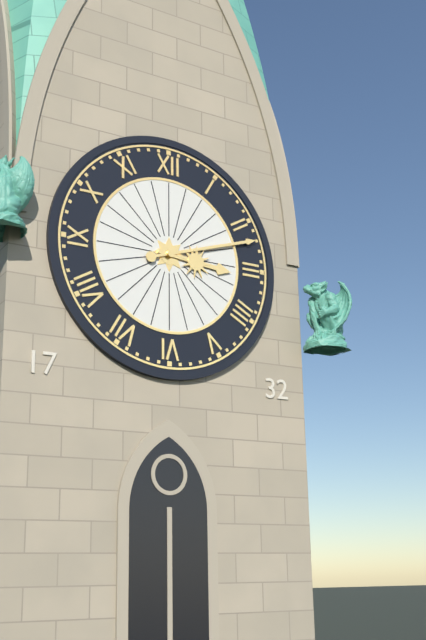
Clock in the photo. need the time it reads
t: 3:12
